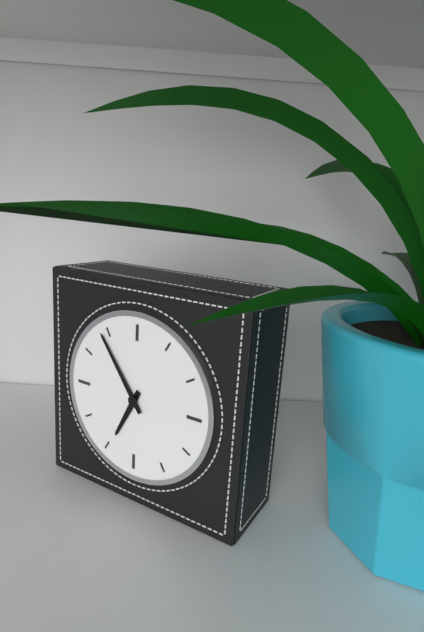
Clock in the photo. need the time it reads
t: 6:54
